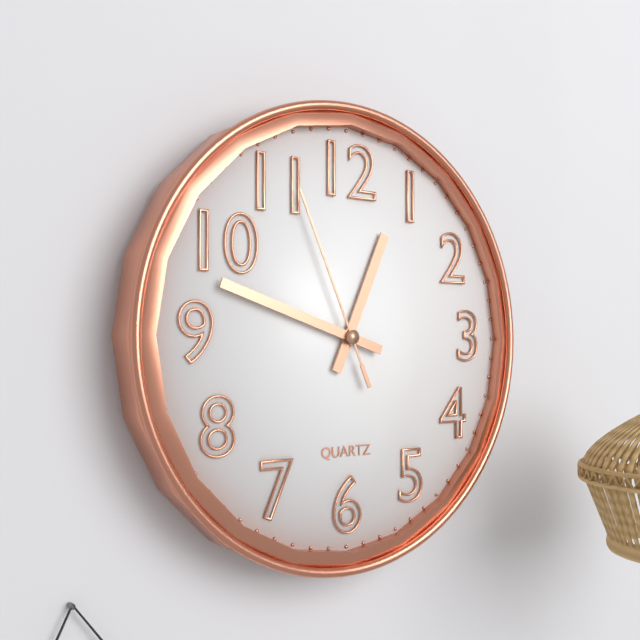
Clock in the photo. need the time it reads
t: 12:48:56
